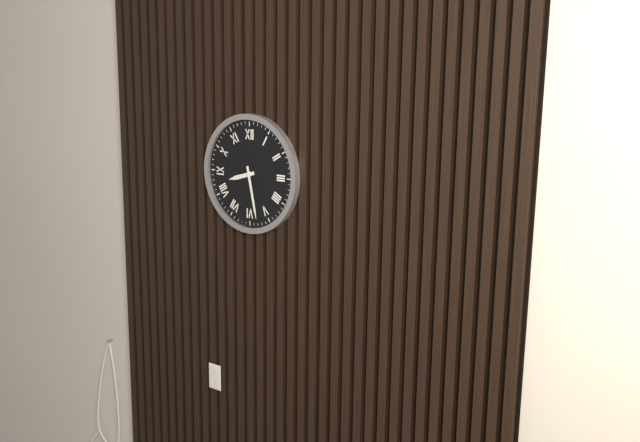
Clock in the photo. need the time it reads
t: 8:28
